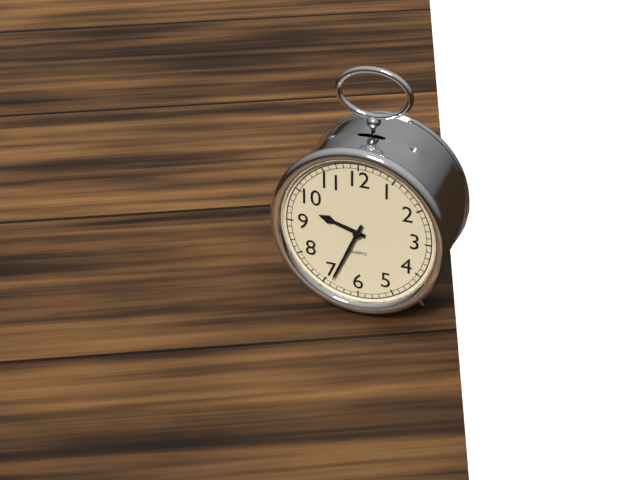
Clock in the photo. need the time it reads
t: 9:34
